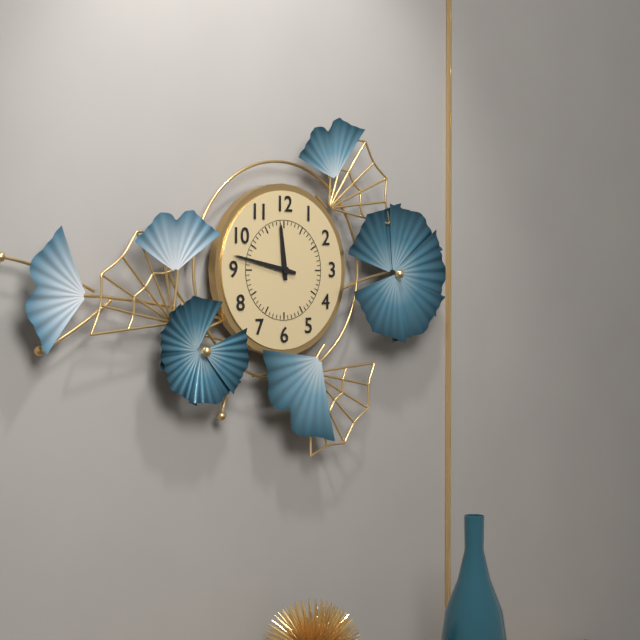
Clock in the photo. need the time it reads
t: 11:47
